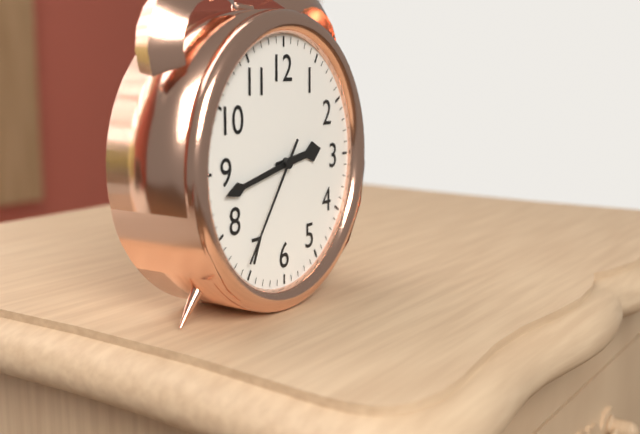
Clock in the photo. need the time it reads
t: 2:43:36
